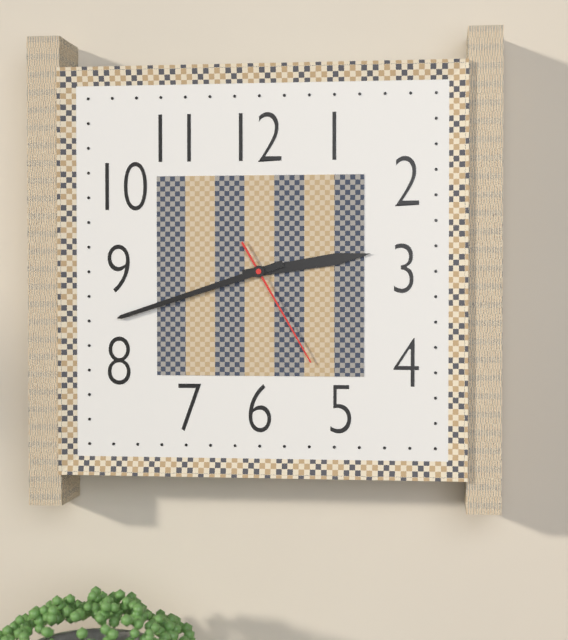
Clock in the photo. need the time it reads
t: 2:42:25
